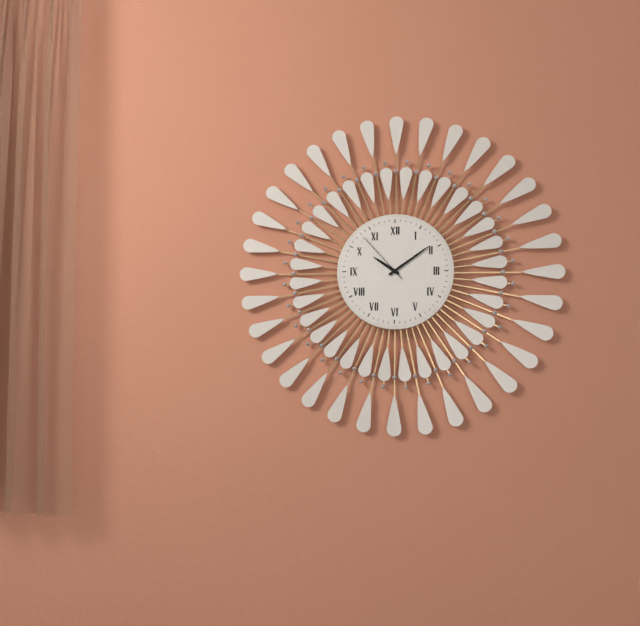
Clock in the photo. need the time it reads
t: 10:09:53
